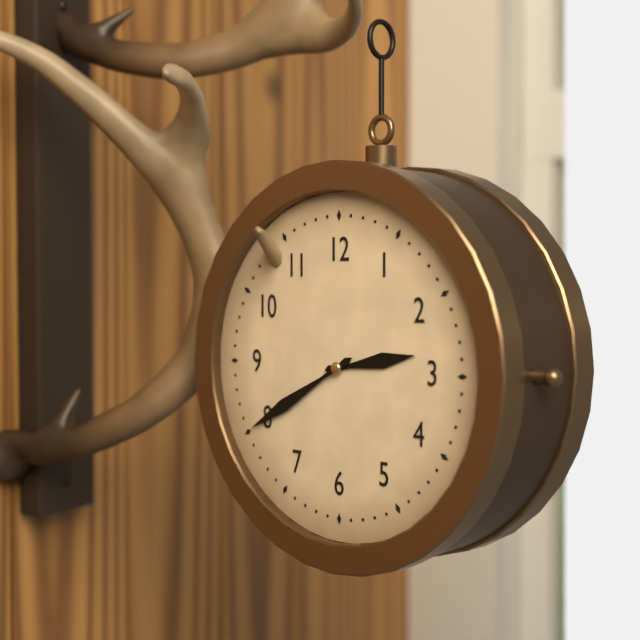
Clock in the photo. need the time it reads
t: 2:40
